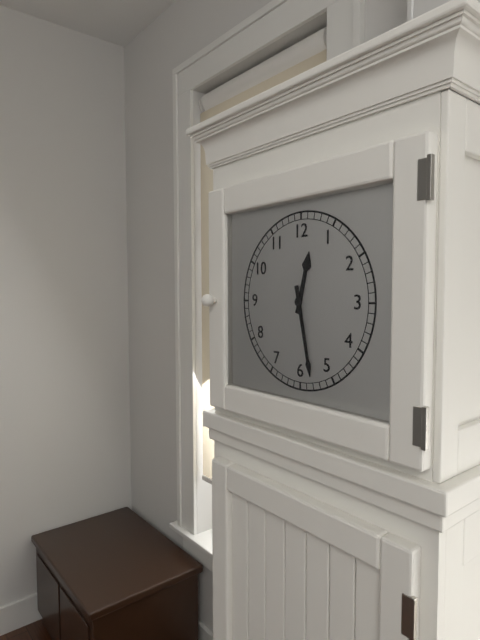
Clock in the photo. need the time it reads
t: 12:28
